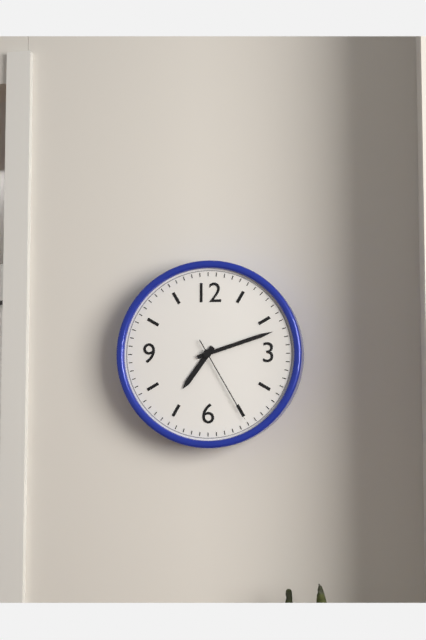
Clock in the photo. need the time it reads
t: 7:12:25
